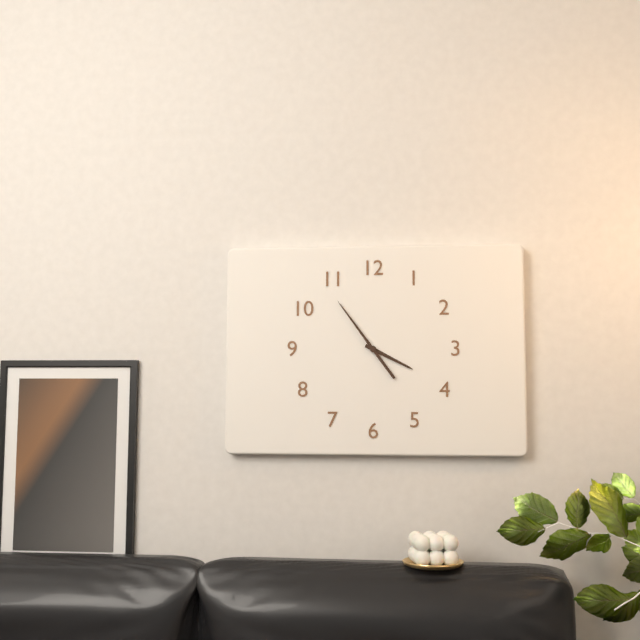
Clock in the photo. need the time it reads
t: 3:54
